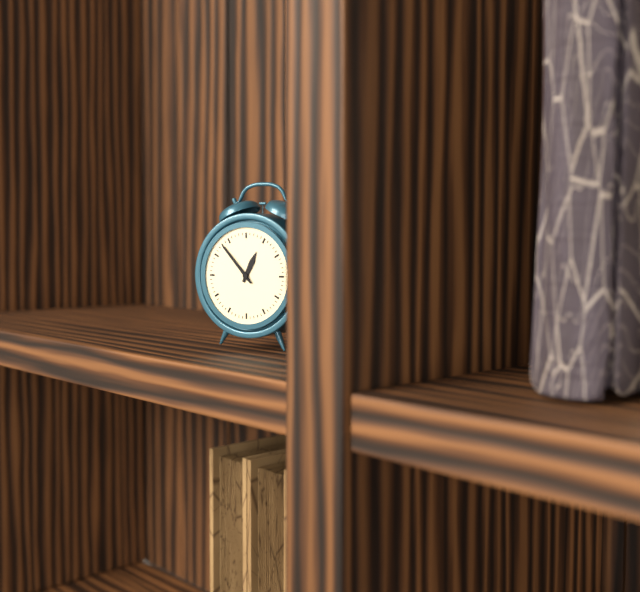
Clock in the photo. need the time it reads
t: 12:53
